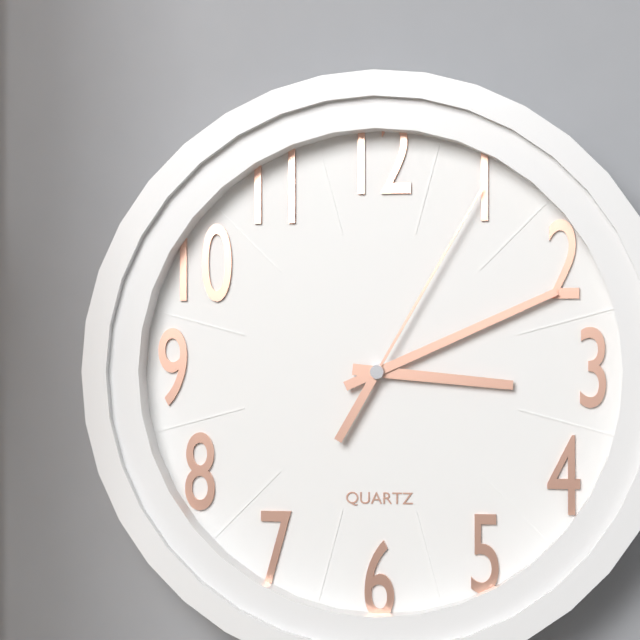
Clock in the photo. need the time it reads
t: 3:11:05
